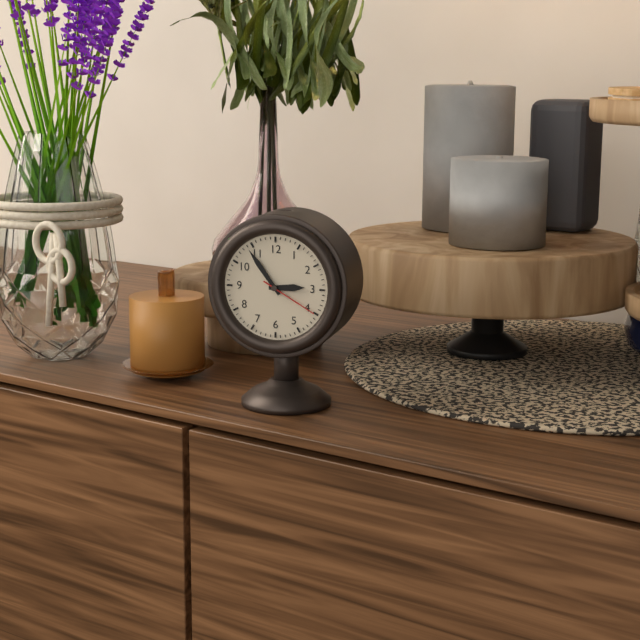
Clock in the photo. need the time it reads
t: 2:54:20
